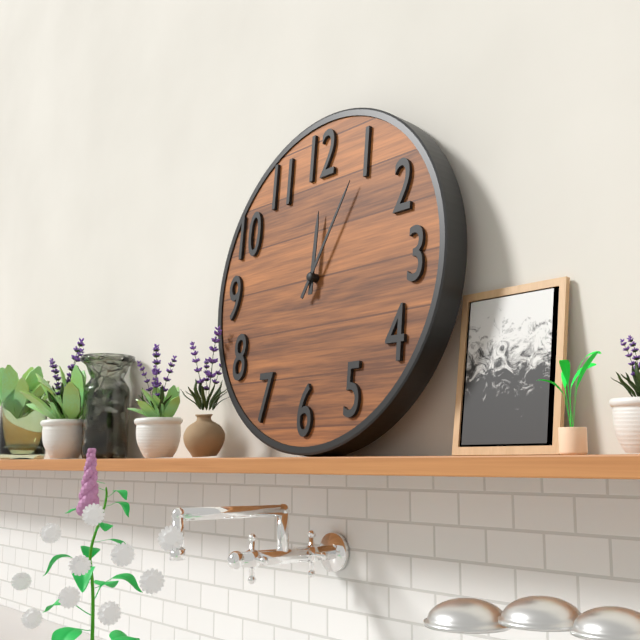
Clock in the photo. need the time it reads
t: 12:05
